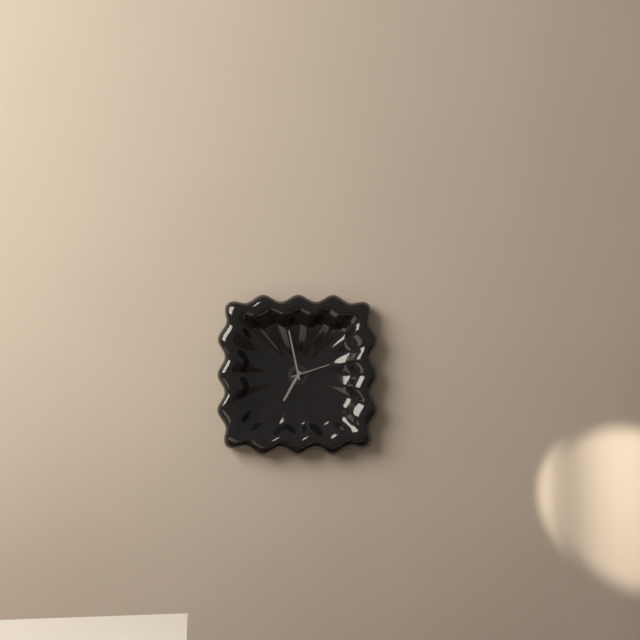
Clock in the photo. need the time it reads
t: 6:58
